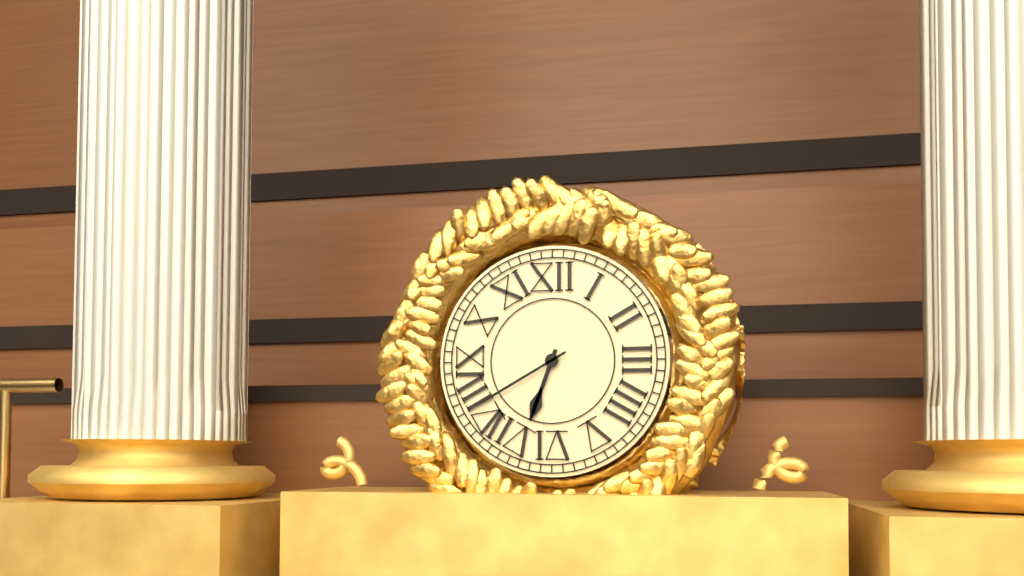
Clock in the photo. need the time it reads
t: 6:40
